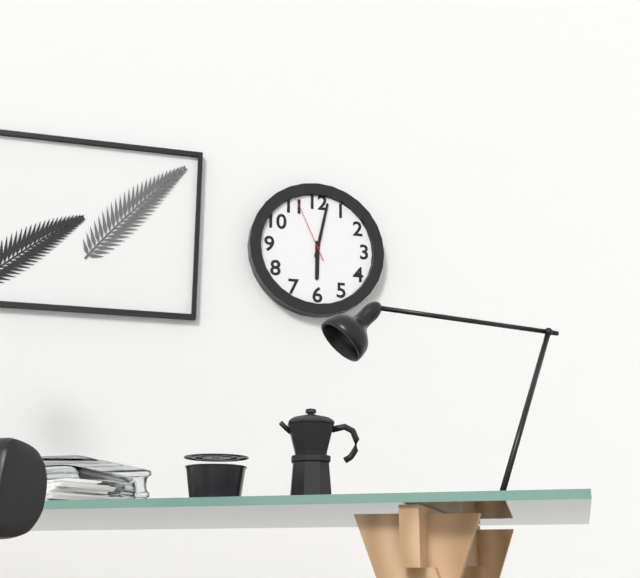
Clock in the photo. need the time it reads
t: 6:02:56
